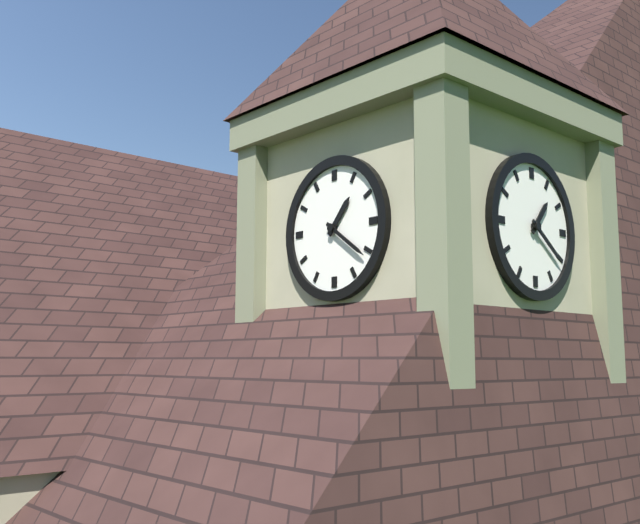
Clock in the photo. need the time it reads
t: 1:21
